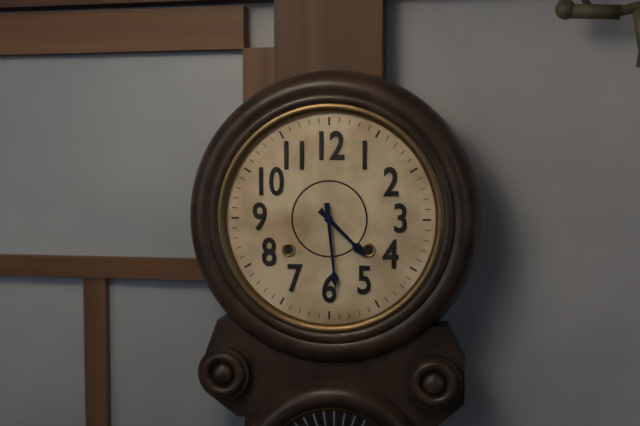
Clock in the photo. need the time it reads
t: 4:29
